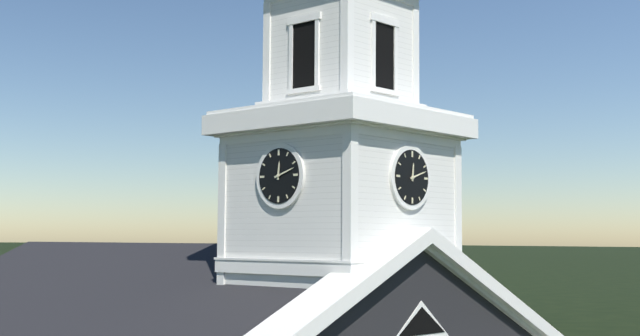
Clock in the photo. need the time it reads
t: 12:12
